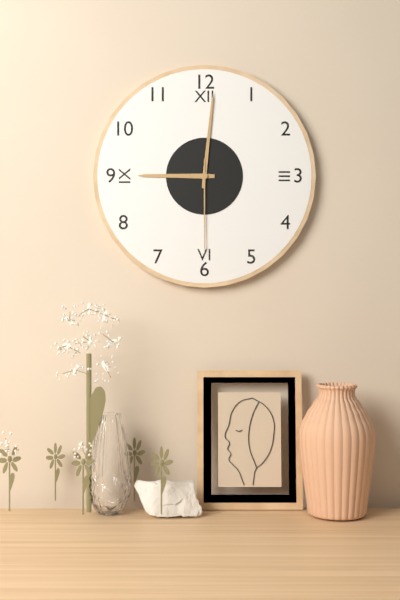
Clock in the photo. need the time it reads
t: 9:01:30
